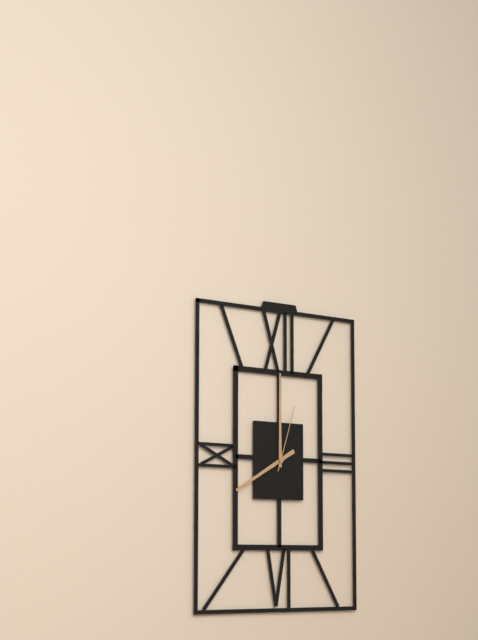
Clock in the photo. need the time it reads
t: 8:00:03
